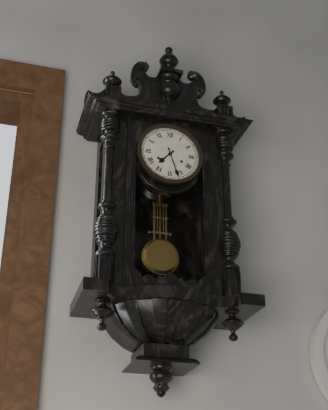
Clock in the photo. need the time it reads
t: 7:27
